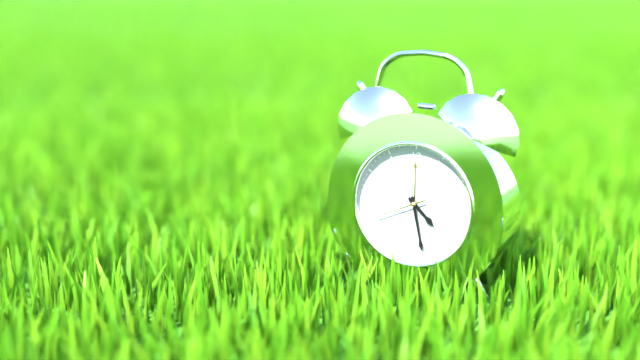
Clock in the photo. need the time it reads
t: 4:28:41
